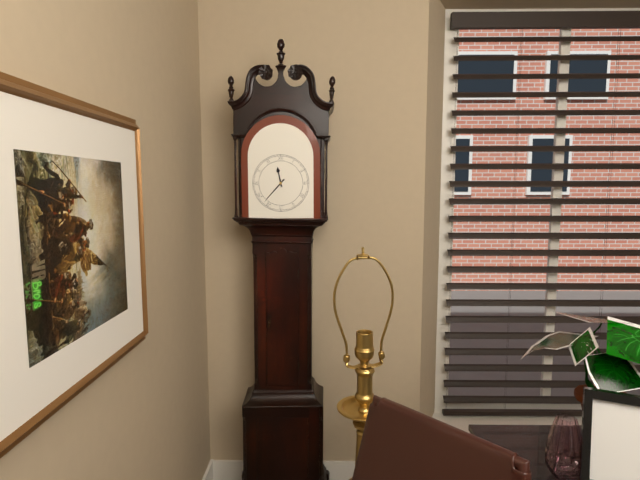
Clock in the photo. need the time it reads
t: 11:37
